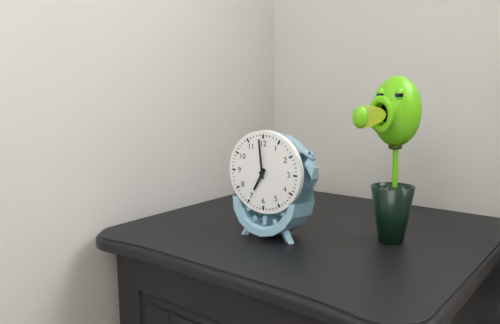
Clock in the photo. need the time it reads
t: 6:59
